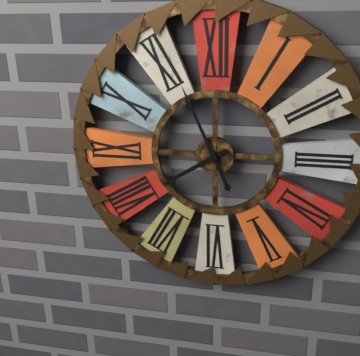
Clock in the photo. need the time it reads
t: 7:56
